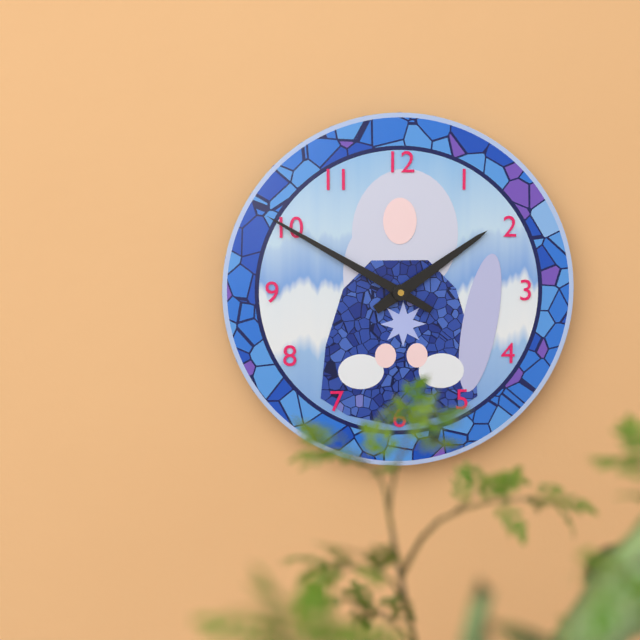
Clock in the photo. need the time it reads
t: 1:50
